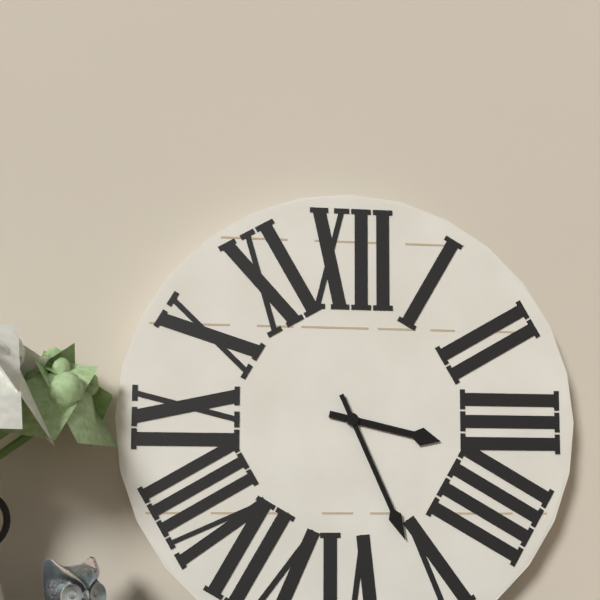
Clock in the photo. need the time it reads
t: 3:26
